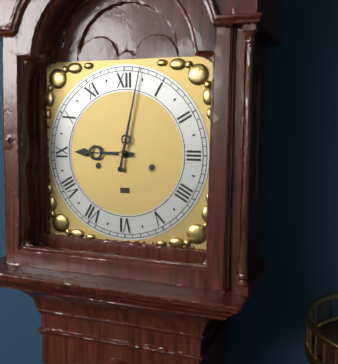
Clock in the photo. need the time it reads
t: 9:02
